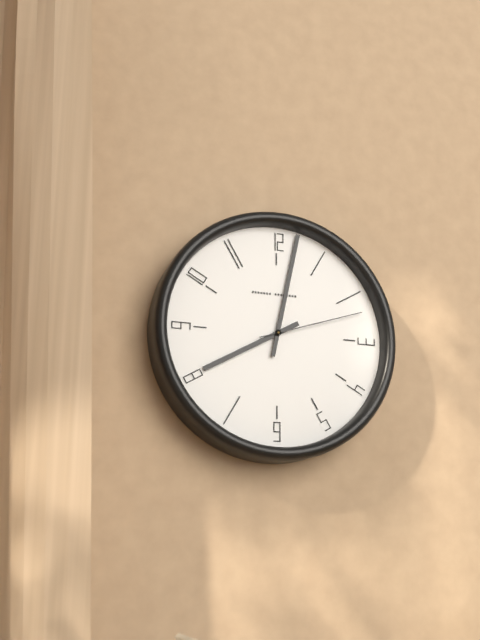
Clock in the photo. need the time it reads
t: 8:02:12
